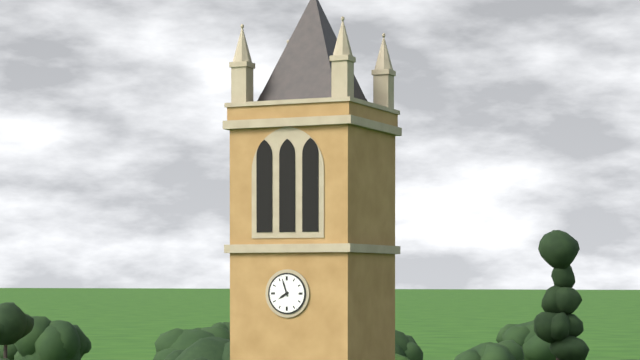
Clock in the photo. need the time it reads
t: 7:57
